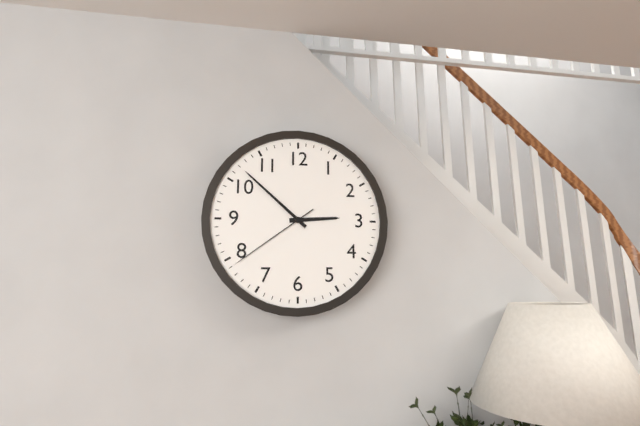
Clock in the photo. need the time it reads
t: 2:52:39
